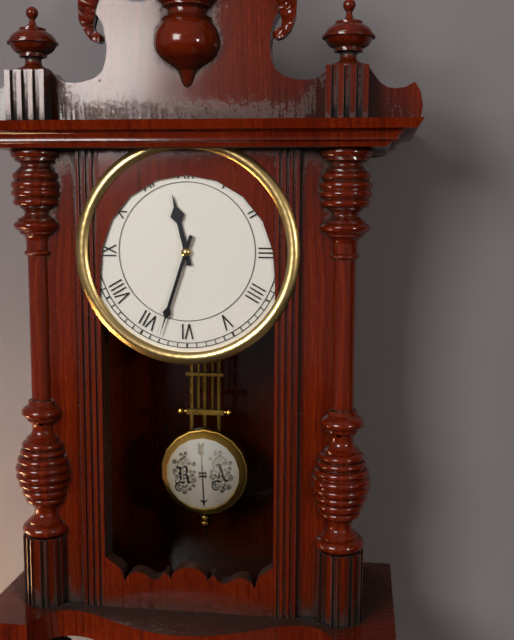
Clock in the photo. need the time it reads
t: 11:33
